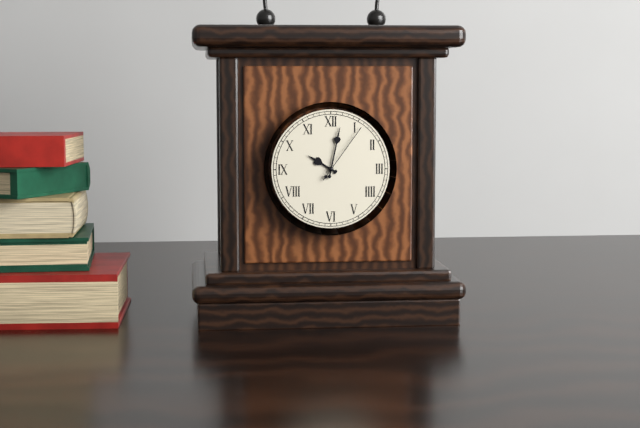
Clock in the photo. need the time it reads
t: 10:02:06
